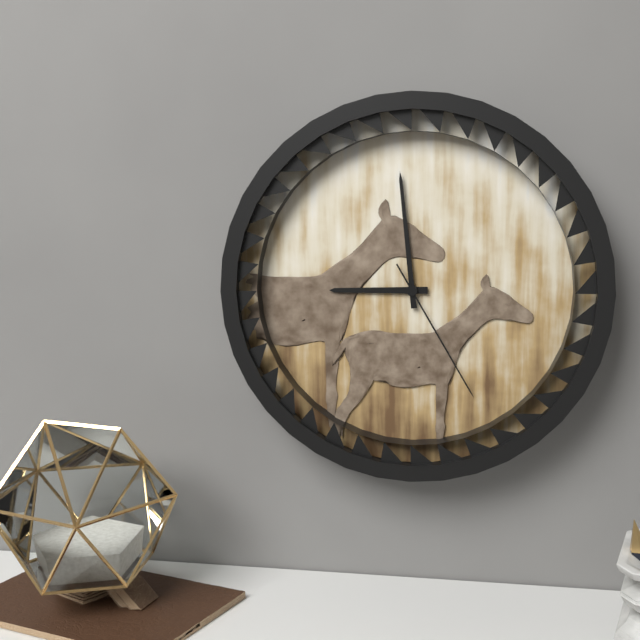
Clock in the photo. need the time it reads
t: 8:59:25
